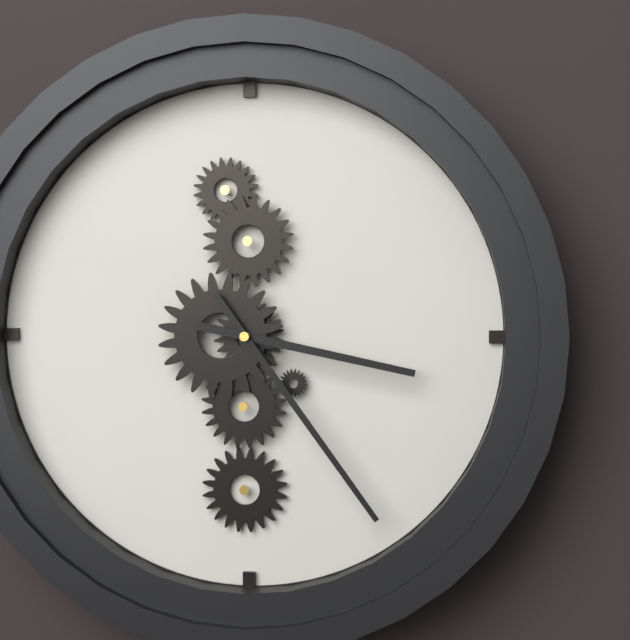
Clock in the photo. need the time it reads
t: 3:24
